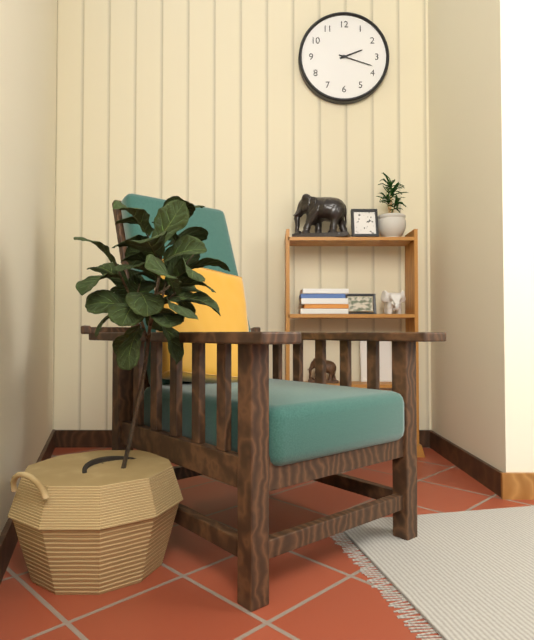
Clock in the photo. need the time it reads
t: 2:18
